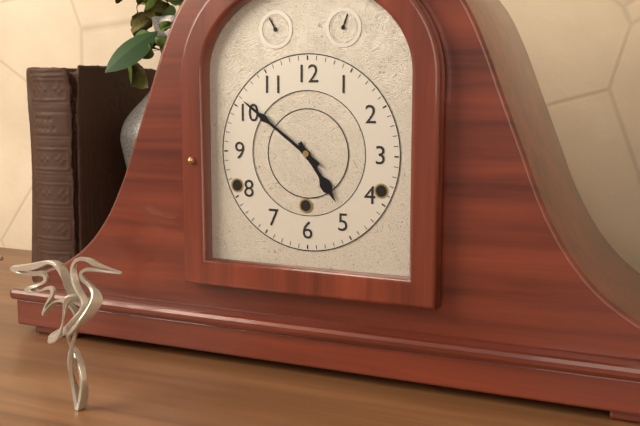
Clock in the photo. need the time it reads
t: 4:51
